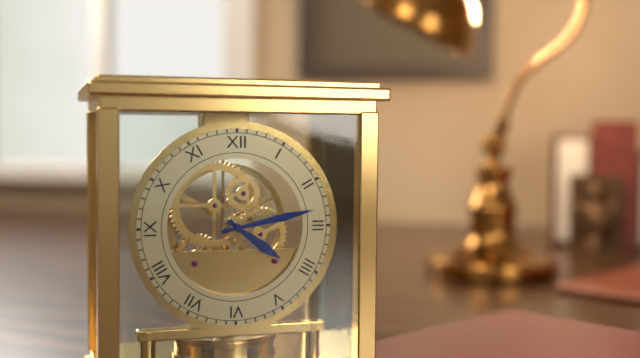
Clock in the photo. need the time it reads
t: 4:13
